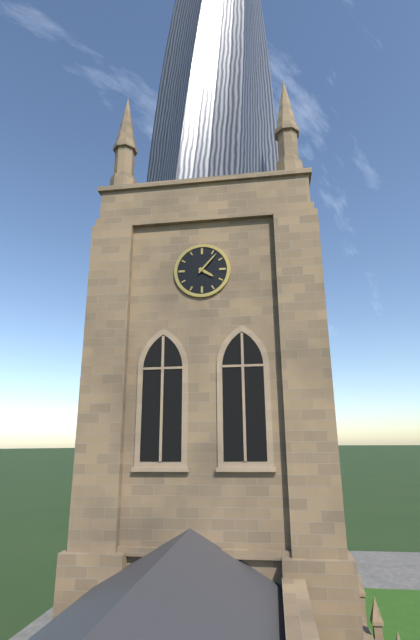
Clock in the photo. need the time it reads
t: 4:07
